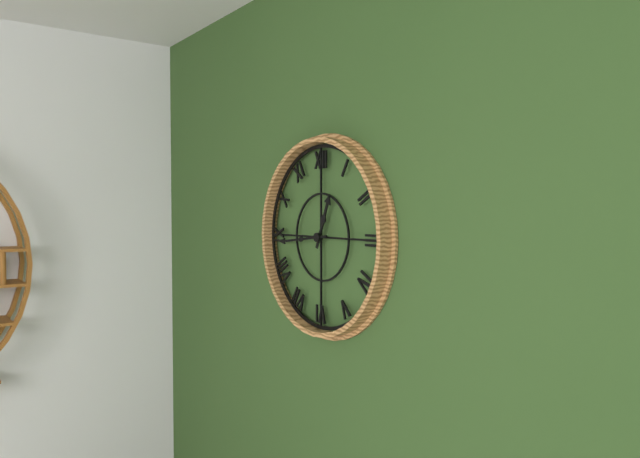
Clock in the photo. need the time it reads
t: 12:44
